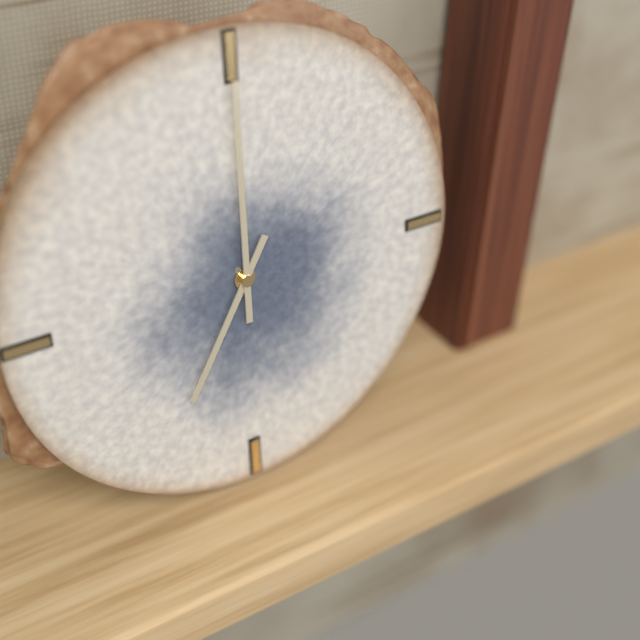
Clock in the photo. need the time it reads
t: 7:00
